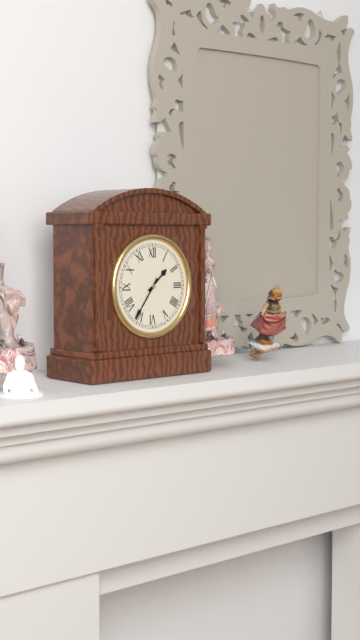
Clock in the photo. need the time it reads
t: 1:36
